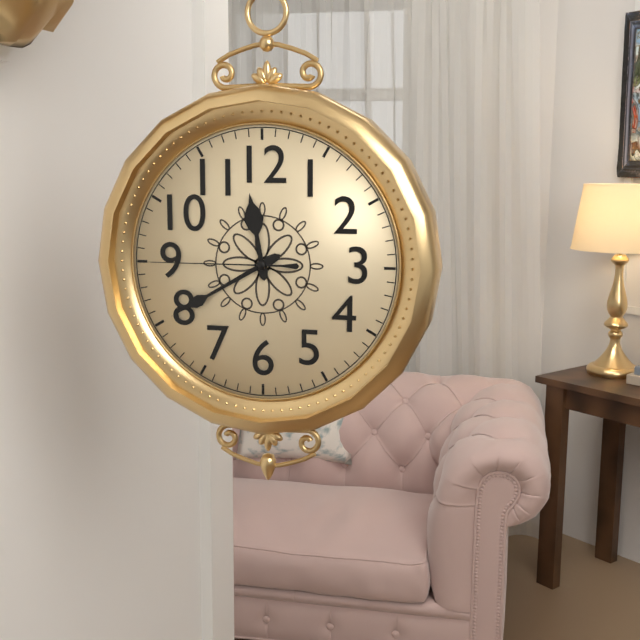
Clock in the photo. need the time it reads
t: 11:40:45
